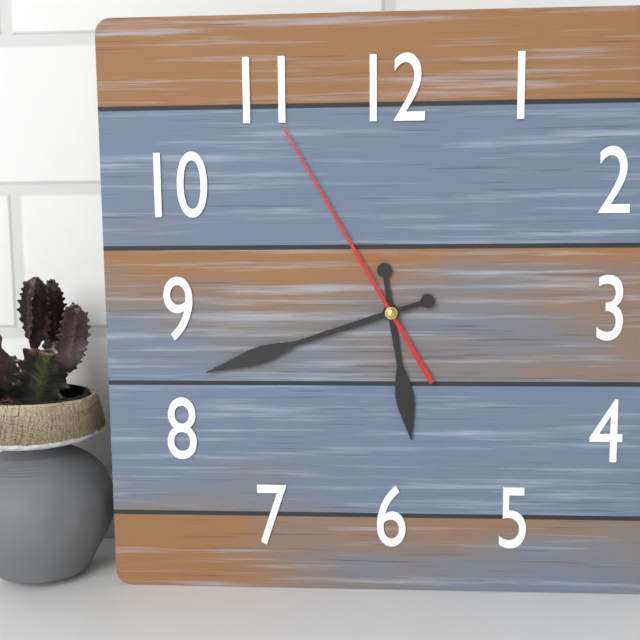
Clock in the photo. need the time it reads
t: 5:42:55
